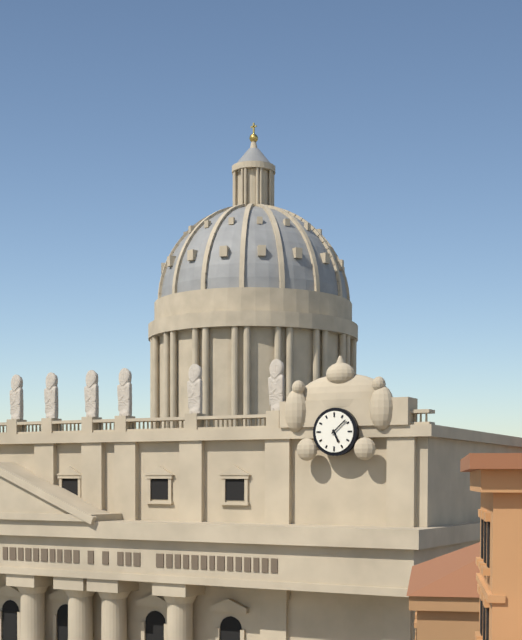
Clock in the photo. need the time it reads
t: 5:08
